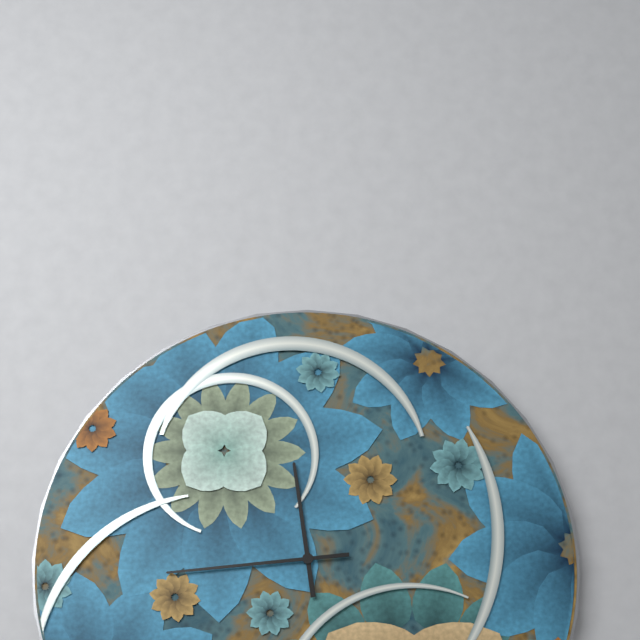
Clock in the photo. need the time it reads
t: 11:44
